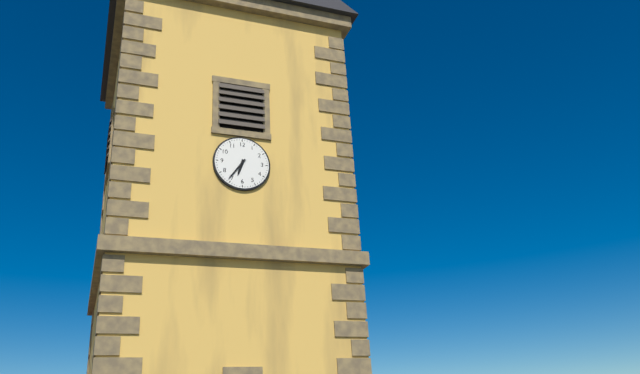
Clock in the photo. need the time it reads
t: 6:36
